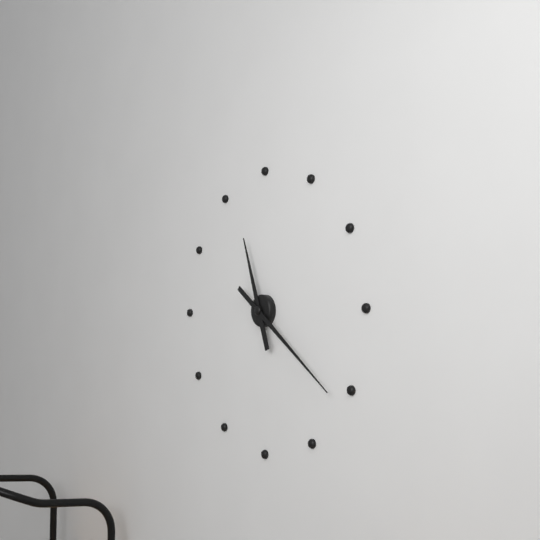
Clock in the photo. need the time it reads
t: 11:21
